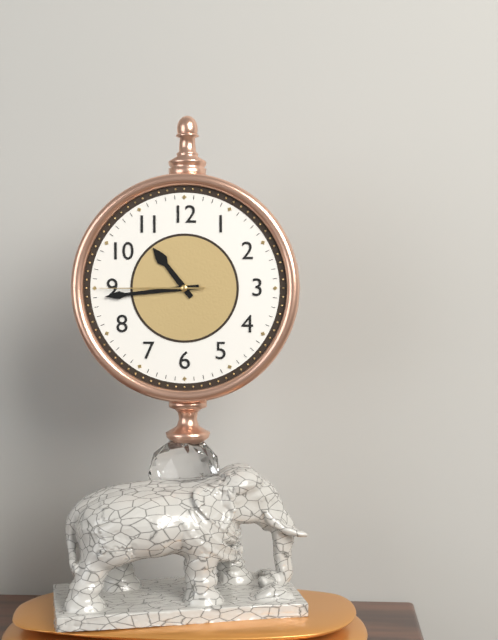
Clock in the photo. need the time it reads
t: 10:44:45
